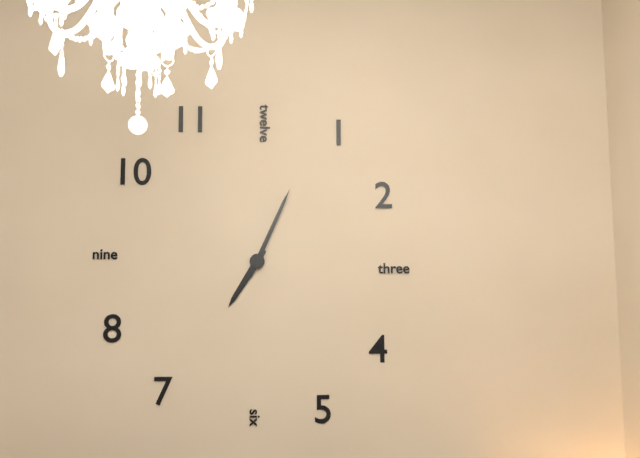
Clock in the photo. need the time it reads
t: 7:04
